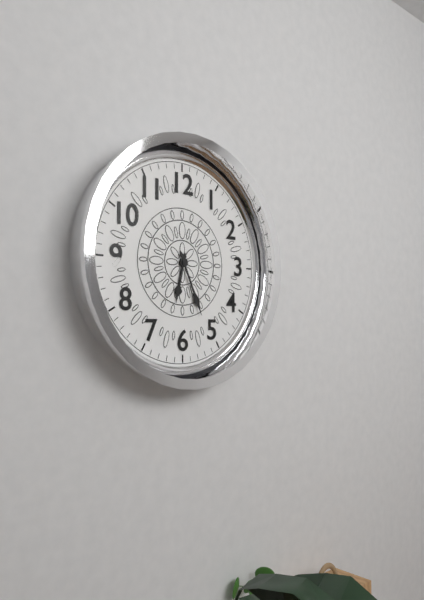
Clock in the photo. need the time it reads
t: 6:26
